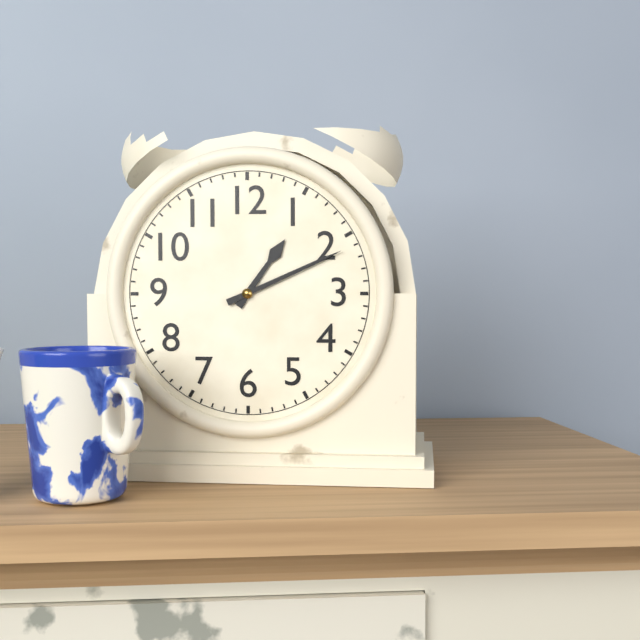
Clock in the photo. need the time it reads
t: 1:11
